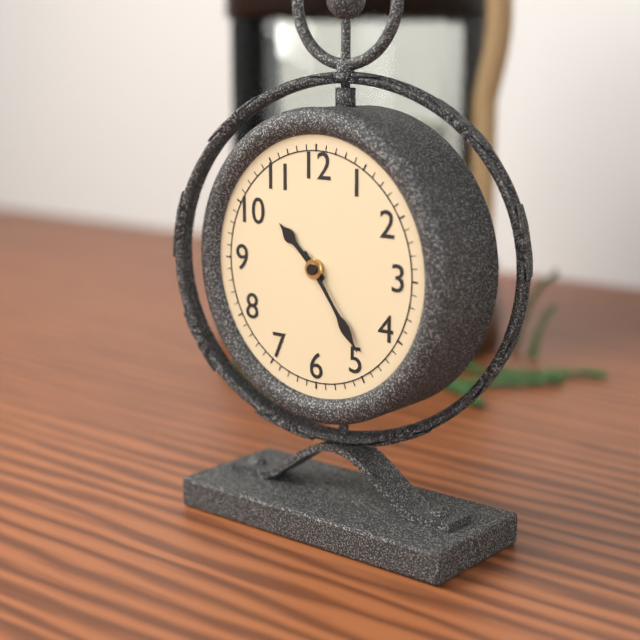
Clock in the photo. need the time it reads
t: 10:24
